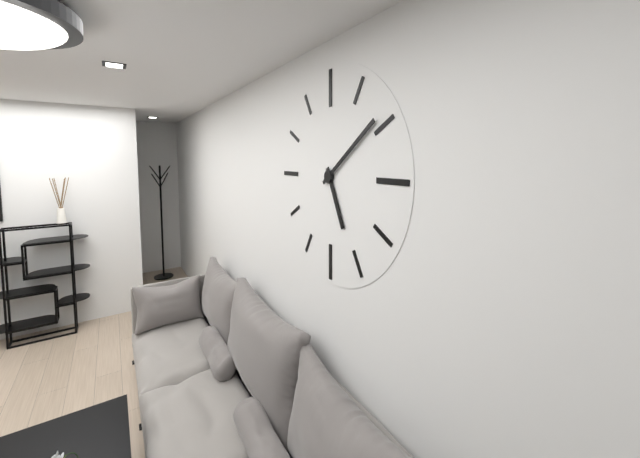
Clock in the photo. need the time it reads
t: 5:09
